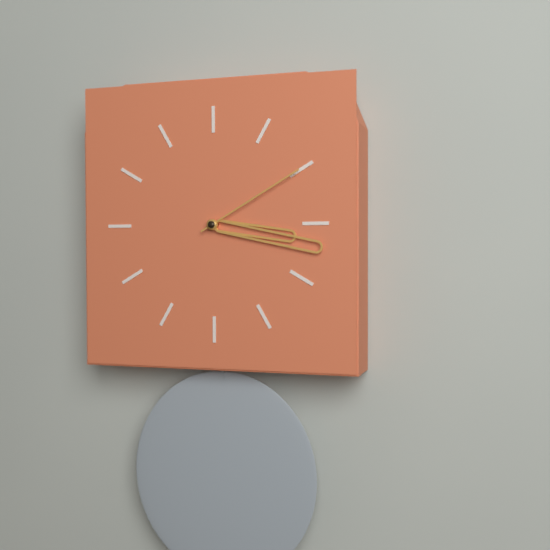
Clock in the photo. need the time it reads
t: 3:17:10
